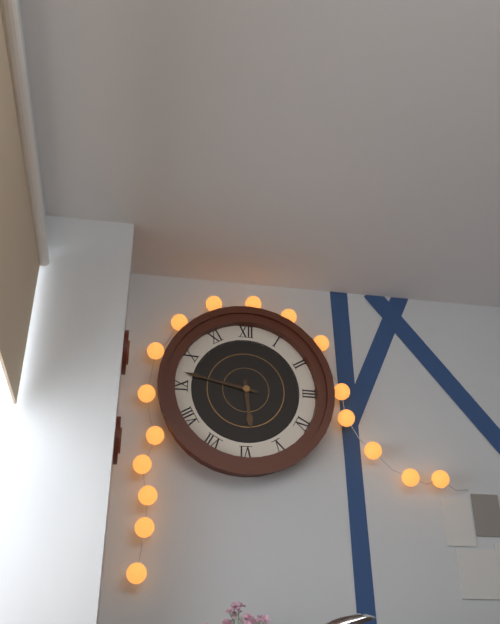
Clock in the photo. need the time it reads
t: 5:47
